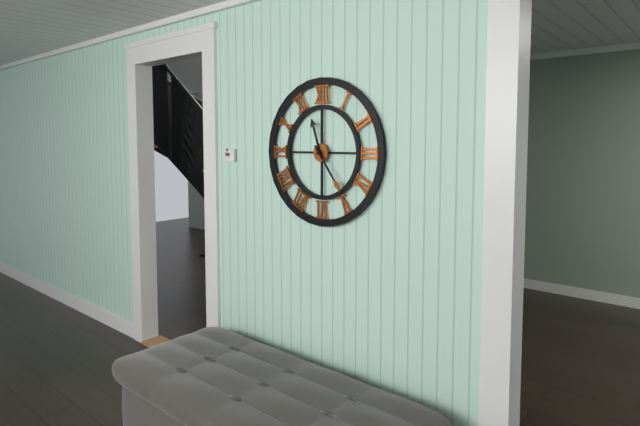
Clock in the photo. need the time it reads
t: 11:24
